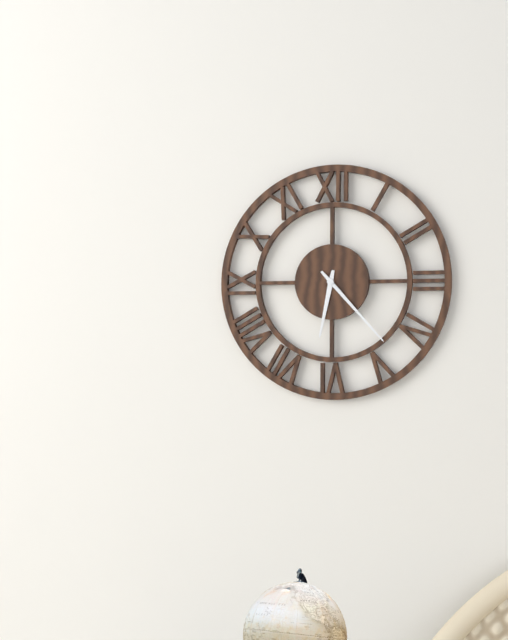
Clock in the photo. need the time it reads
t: 6:23
